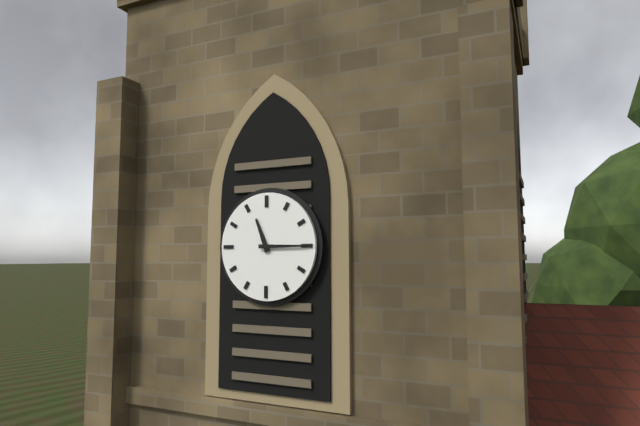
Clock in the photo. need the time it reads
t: 11:15
